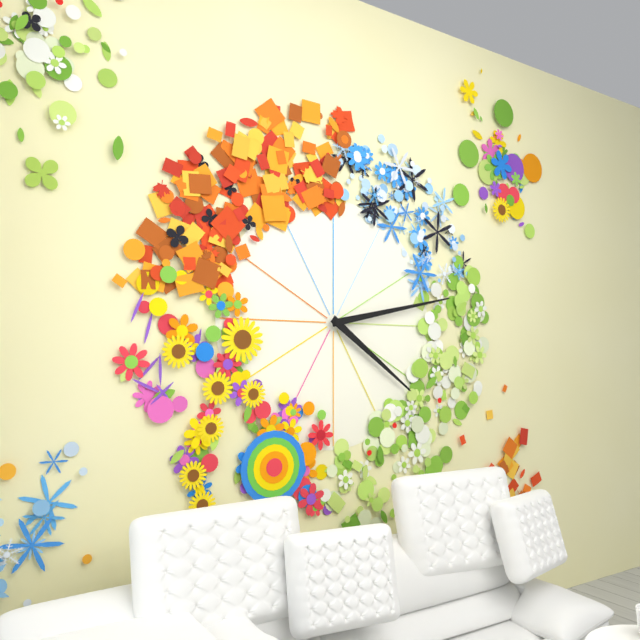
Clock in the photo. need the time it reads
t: 4:13
